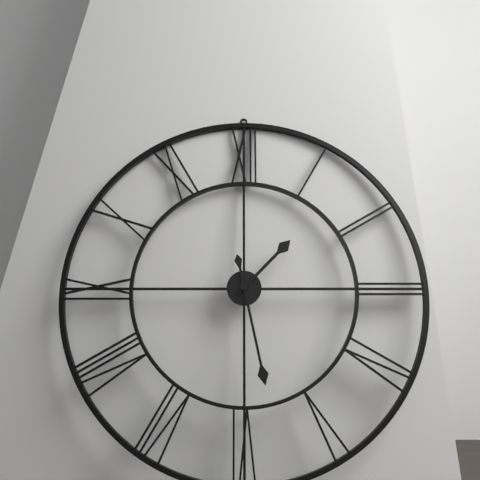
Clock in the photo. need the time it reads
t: 1:28
